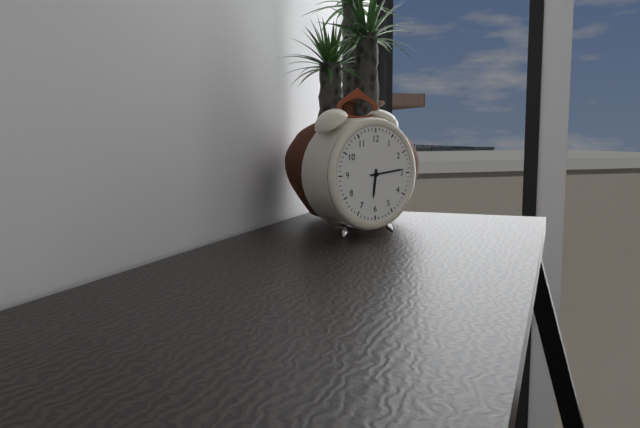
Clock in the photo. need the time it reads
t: 6:14
